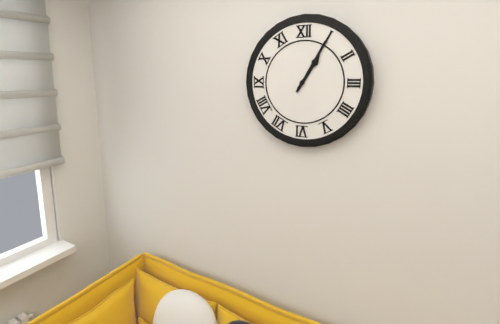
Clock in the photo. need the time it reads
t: 1:05
